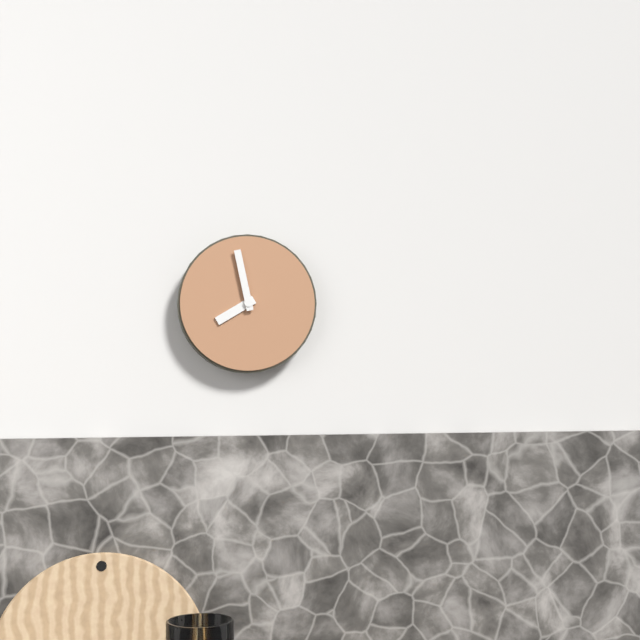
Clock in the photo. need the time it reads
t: 7:58
